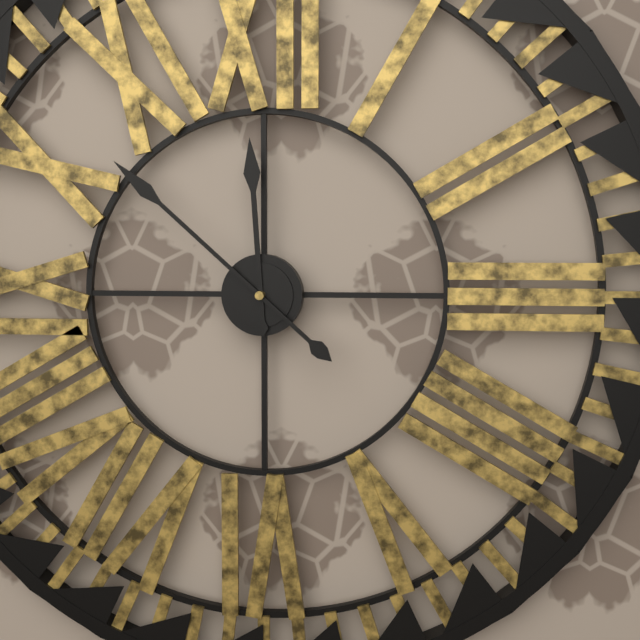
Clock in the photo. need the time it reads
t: 11:52
